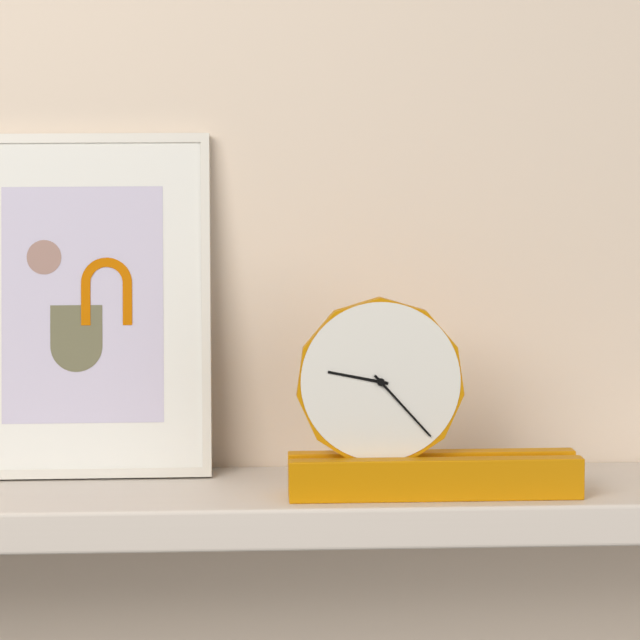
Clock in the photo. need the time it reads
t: 9:23
